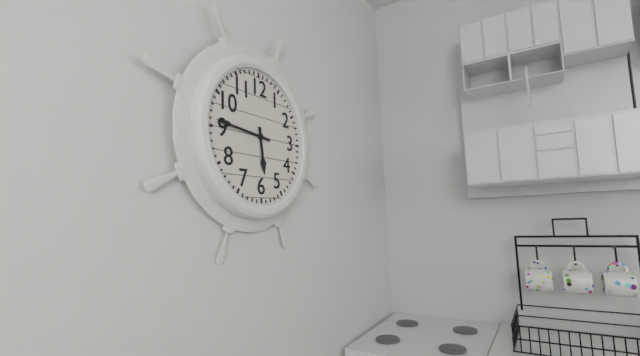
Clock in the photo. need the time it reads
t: 5:46
